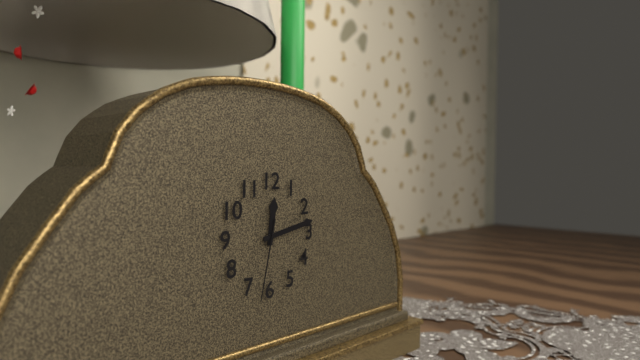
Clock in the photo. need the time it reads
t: 12:13:32
